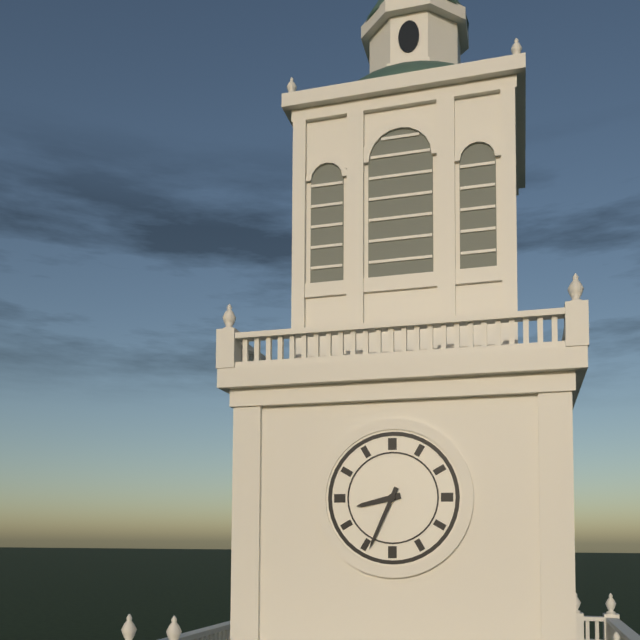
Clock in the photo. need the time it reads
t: 8:34
